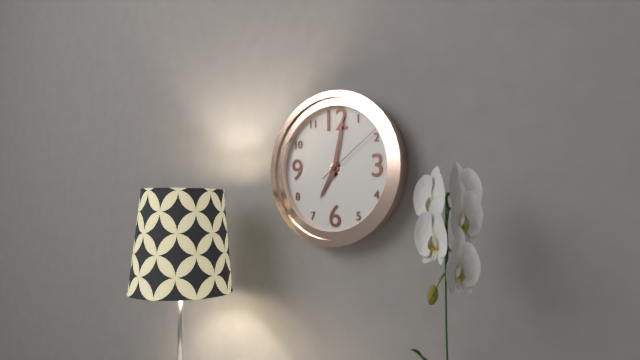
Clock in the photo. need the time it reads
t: 7:02:09
